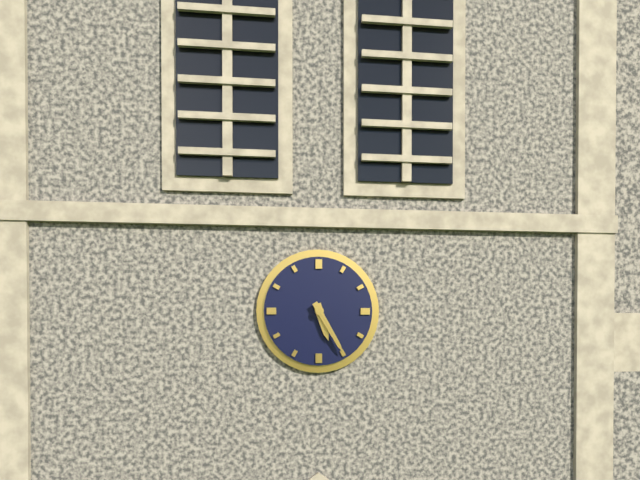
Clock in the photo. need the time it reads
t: 5:25
